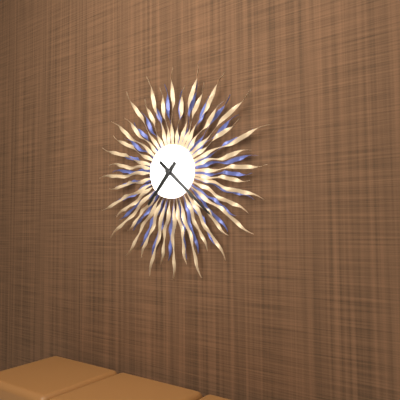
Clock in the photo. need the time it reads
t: 7:22
